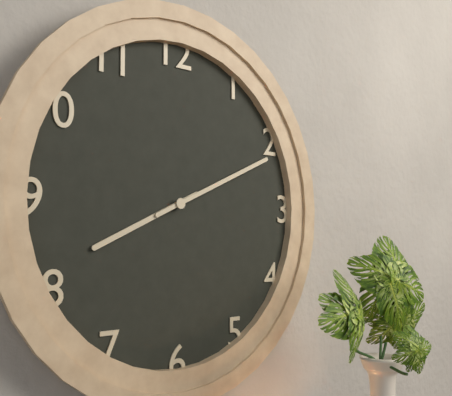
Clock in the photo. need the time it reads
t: 8:11
